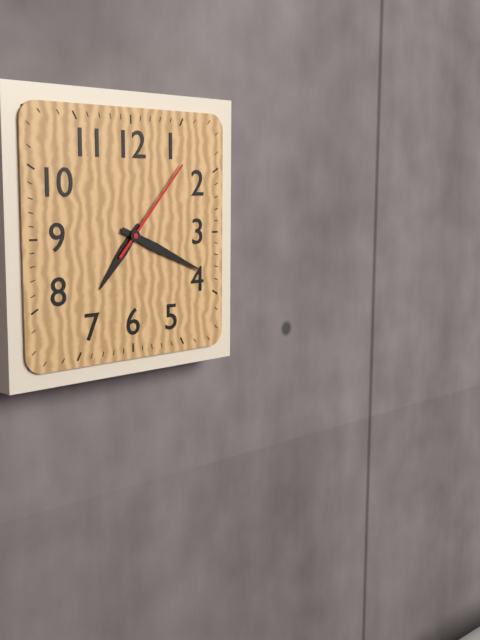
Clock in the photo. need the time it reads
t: 7:19:07
